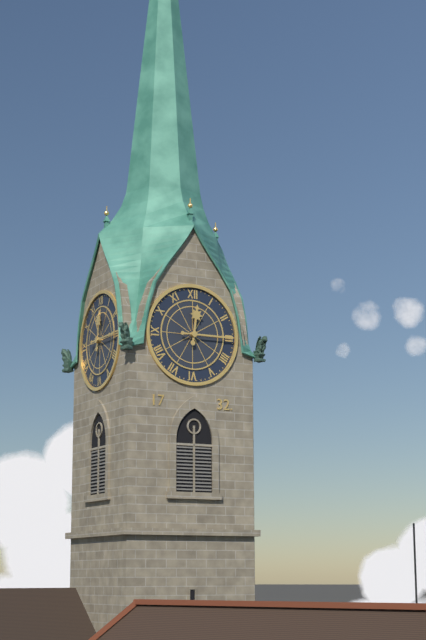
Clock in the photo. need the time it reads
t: 12:15
